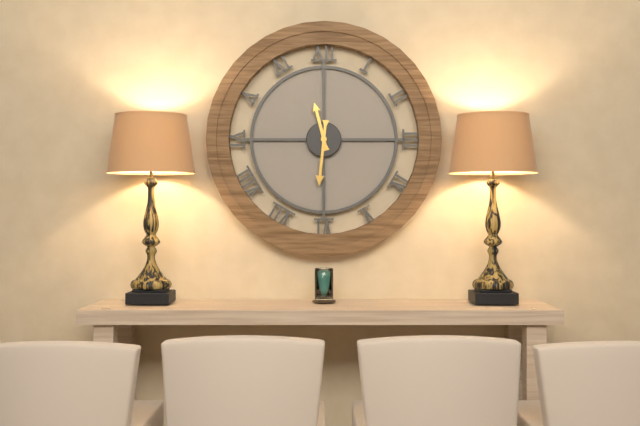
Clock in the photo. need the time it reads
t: 11:31
